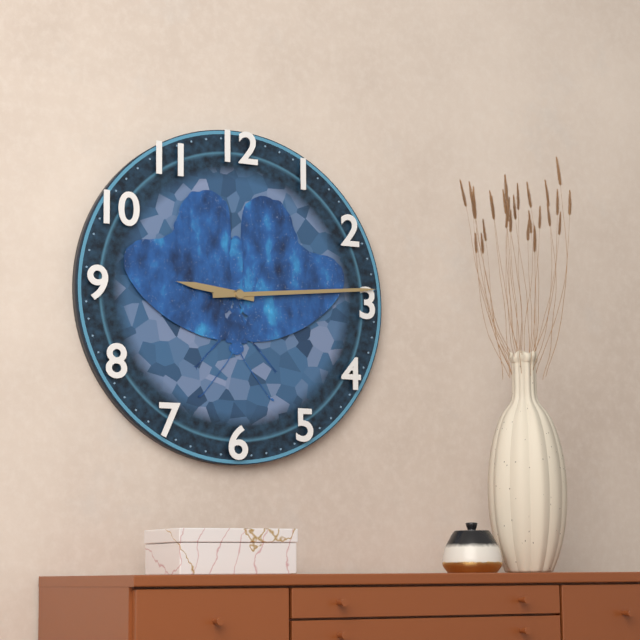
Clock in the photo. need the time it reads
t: 9:14
